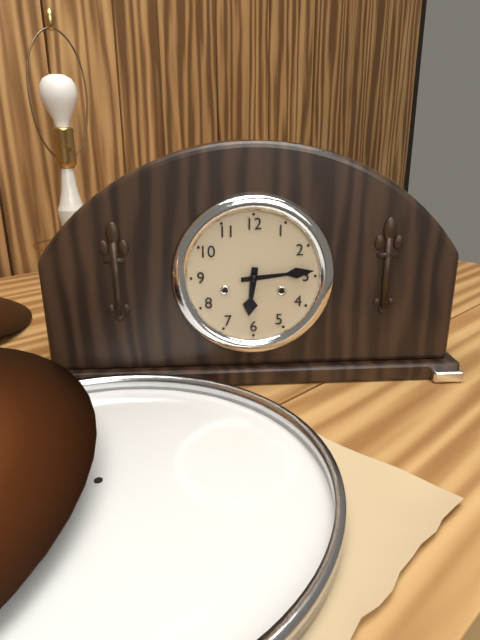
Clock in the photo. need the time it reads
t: 6:14
